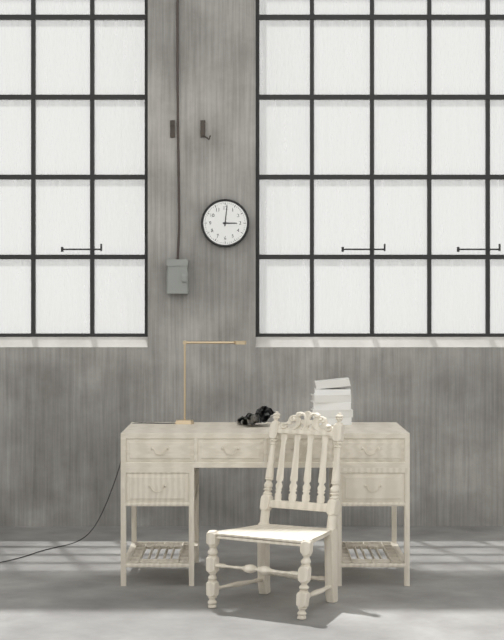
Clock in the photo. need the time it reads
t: 3:01
